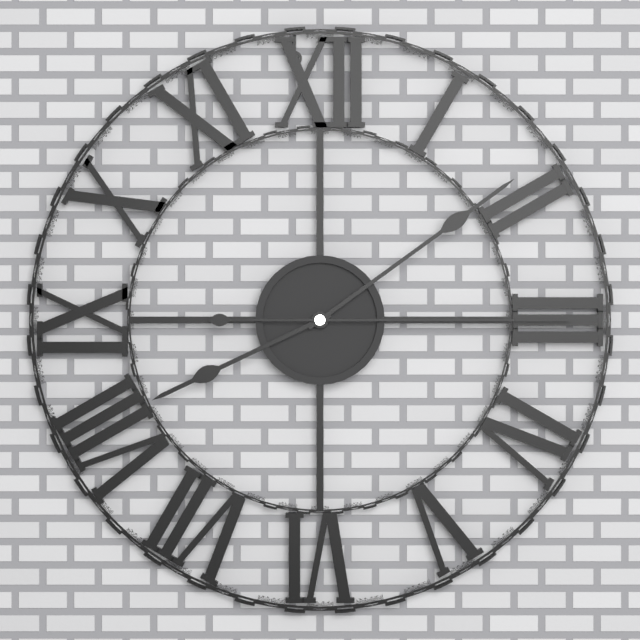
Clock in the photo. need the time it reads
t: 8:09:15
